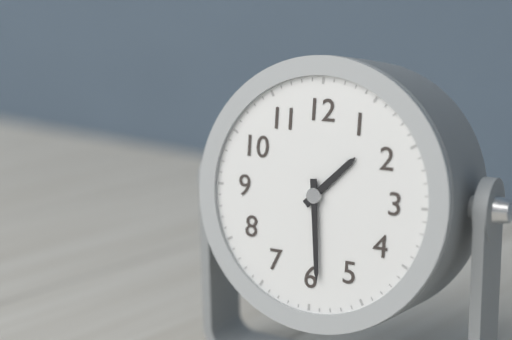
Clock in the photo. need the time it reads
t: 1:29
